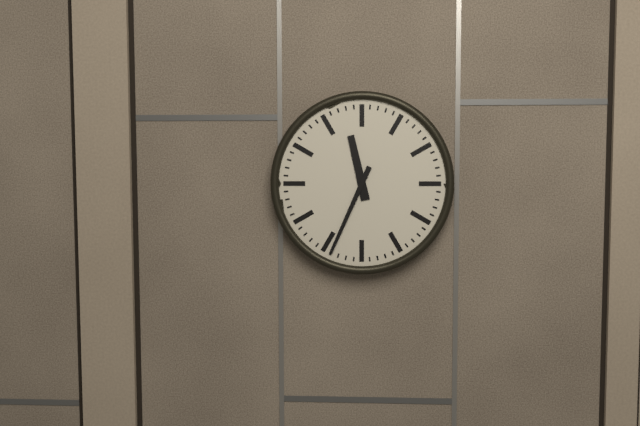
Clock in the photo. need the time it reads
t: 11:34
